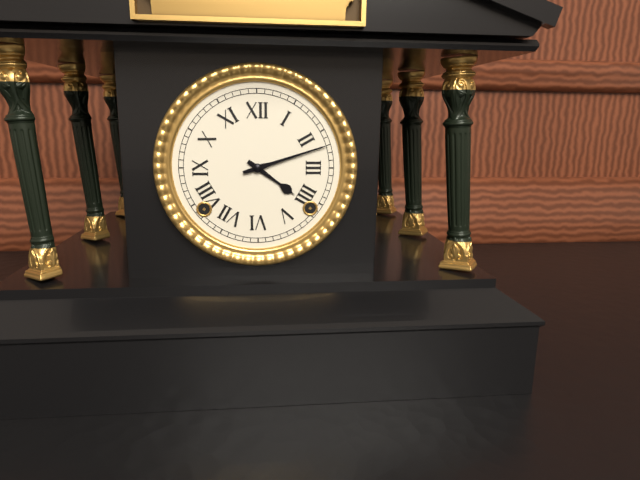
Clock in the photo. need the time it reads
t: 4:12
